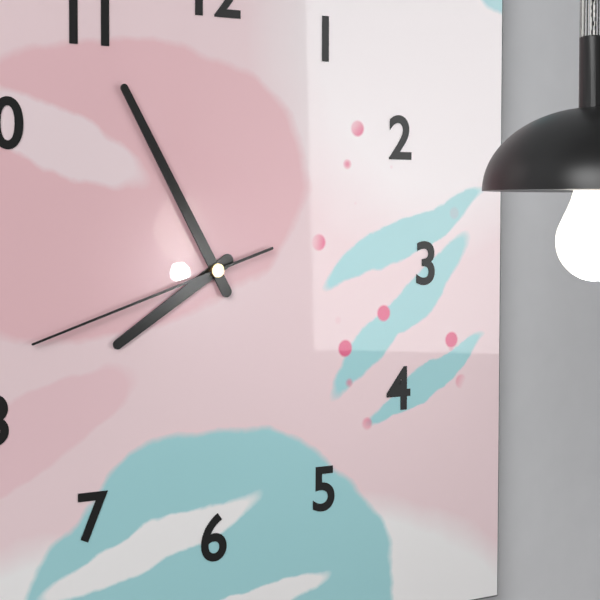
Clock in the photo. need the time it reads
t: 7:55:42
